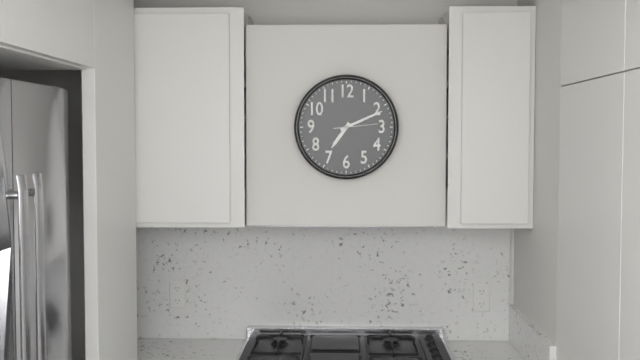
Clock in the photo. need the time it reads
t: 7:11
